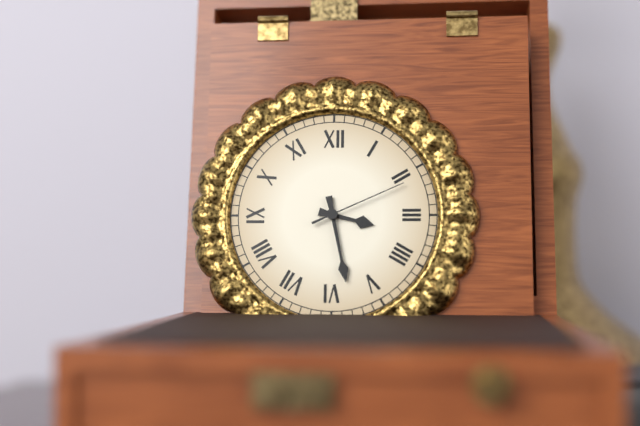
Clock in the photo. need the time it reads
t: 3:28:11
